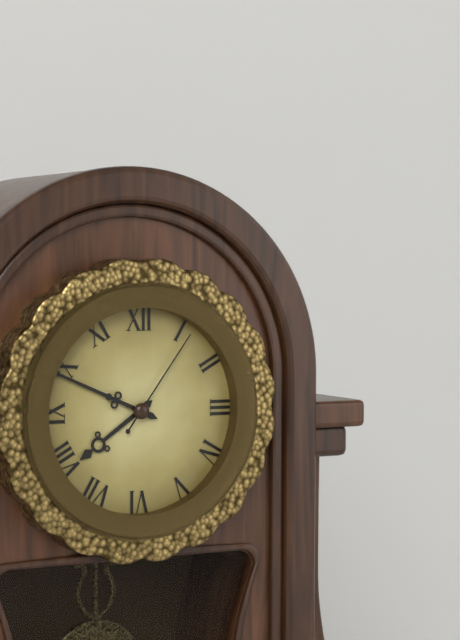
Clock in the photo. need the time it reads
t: 7:49:06
